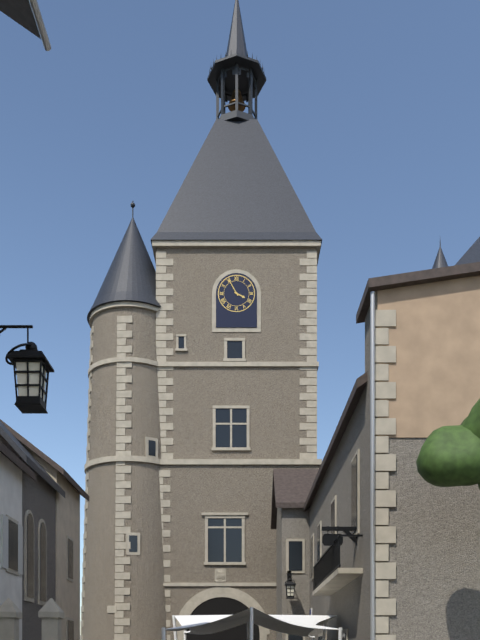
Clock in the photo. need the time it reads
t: 3:55
